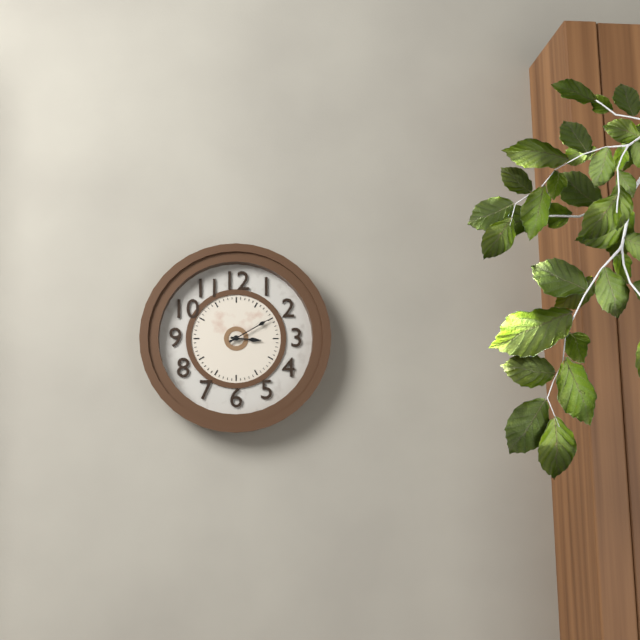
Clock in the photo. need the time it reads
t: 3:10
